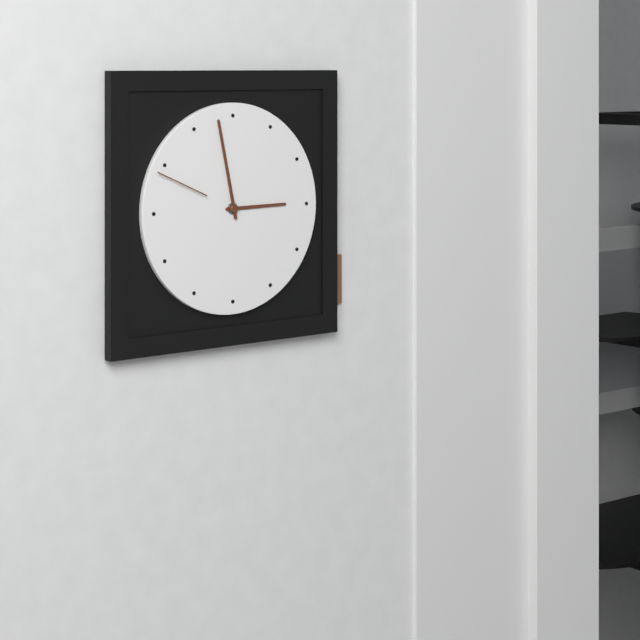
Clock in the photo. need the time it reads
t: 2:58:49
